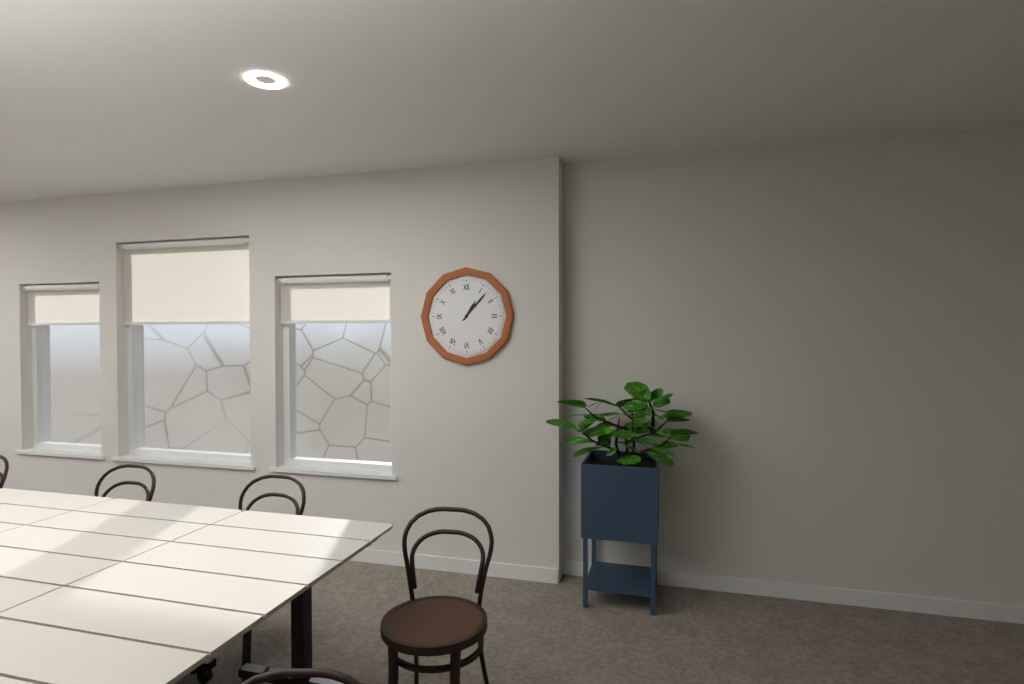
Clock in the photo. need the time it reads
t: 1:07
